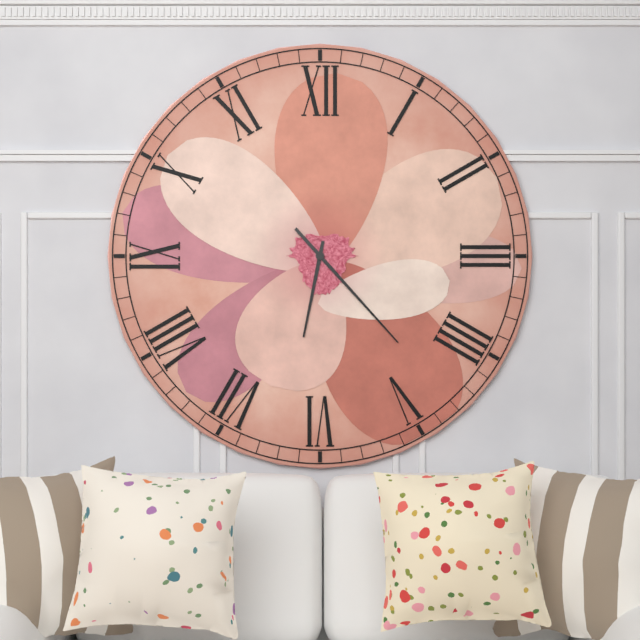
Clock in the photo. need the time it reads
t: 6:23
